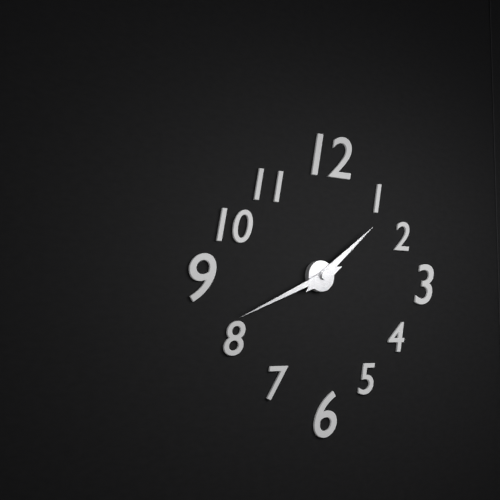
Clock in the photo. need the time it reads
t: 1:41
